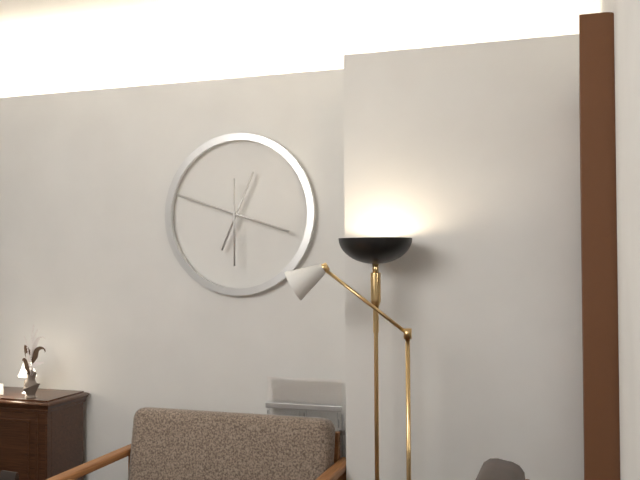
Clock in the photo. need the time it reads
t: 12:48:30
